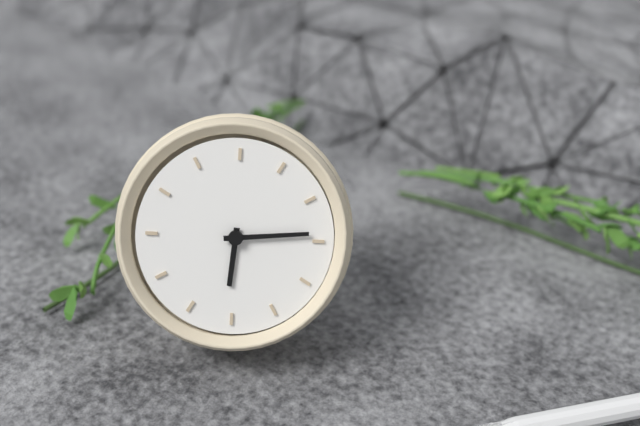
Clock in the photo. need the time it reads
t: 5:09
